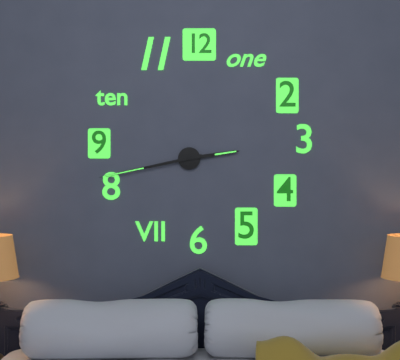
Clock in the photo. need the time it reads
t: 2:43
